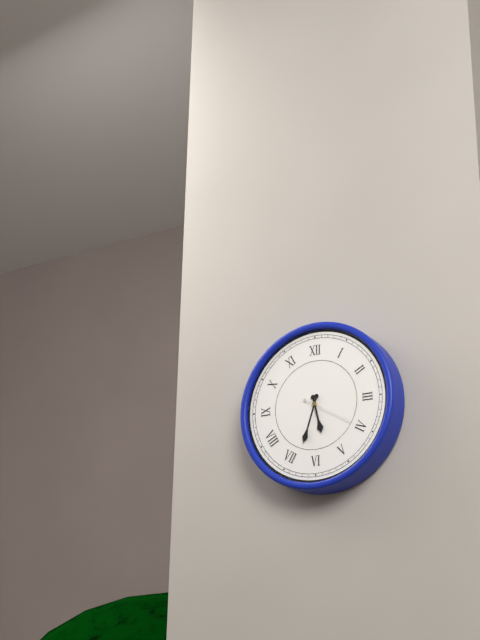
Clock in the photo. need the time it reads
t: 5:33
